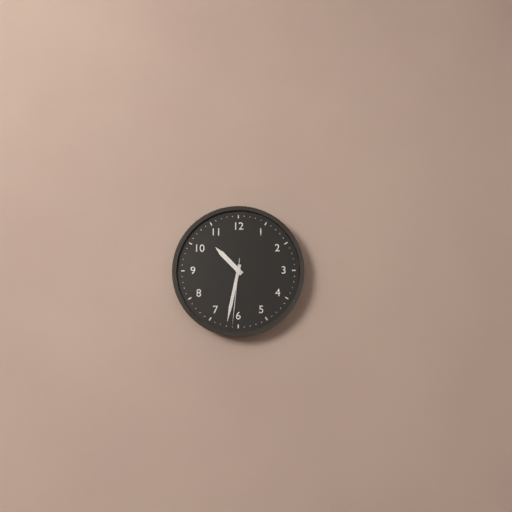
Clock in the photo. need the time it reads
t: 10:32:31
